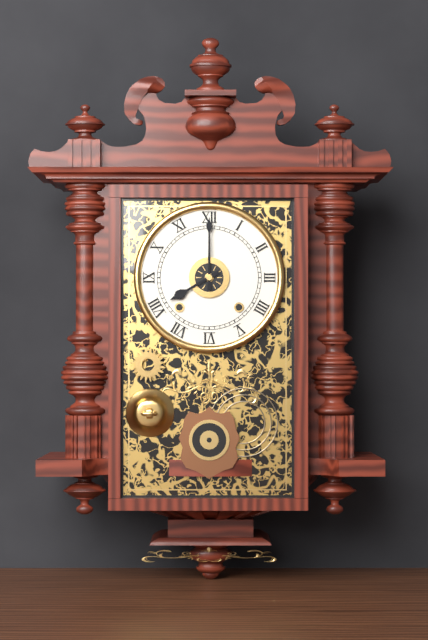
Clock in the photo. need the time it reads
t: 8:00
